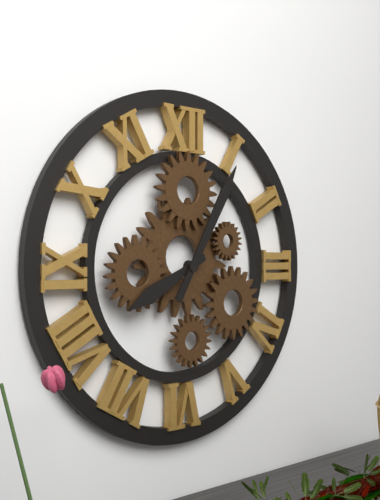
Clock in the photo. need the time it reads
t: 8:05
